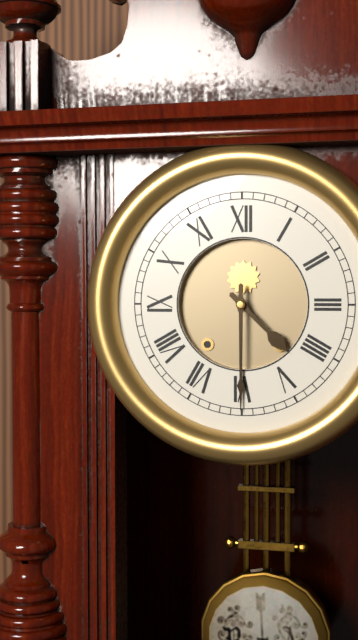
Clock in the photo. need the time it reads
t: 4:30
